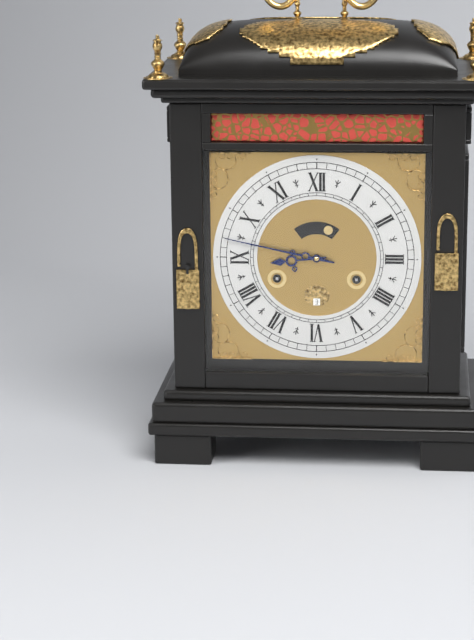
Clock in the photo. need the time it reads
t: 8:47
